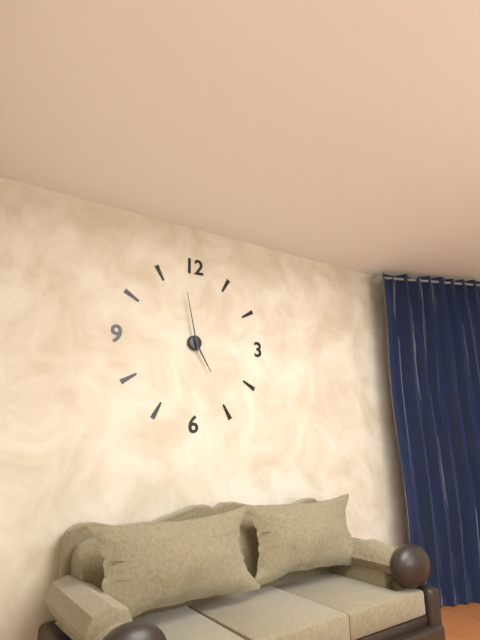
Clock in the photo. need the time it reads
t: 4:58
